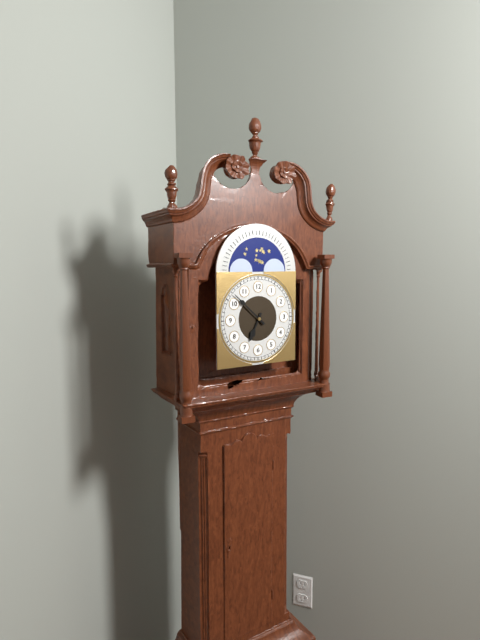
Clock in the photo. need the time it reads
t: 6:52
